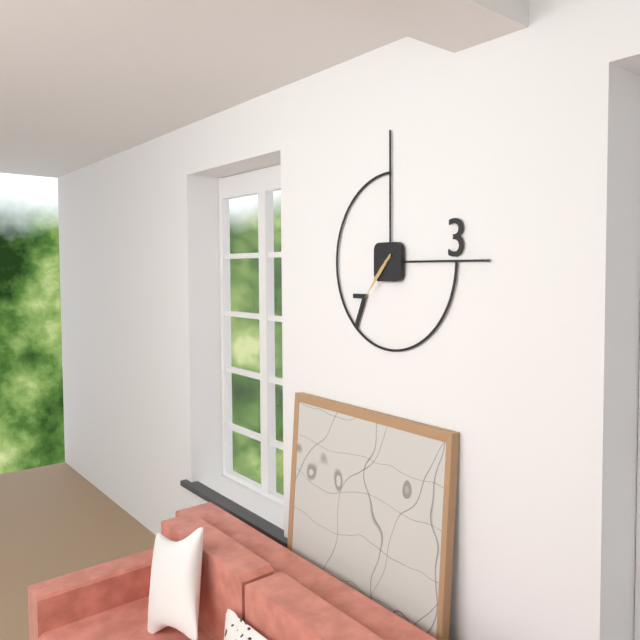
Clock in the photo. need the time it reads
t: 7:37
